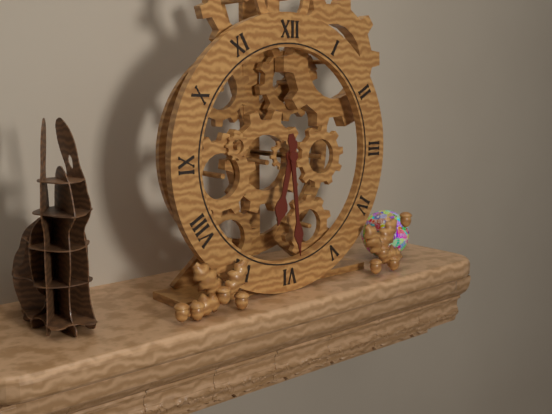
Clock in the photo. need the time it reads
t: 6:29
